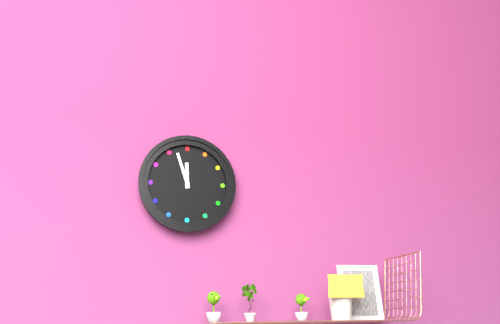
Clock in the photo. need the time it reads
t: 11:57
